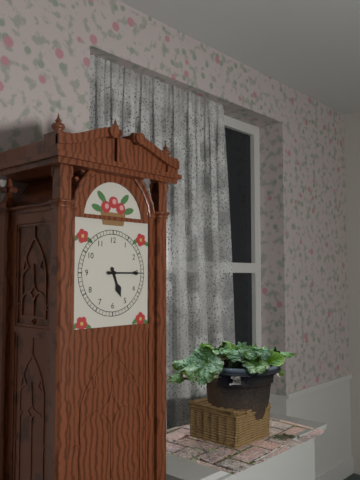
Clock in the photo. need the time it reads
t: 5:15
